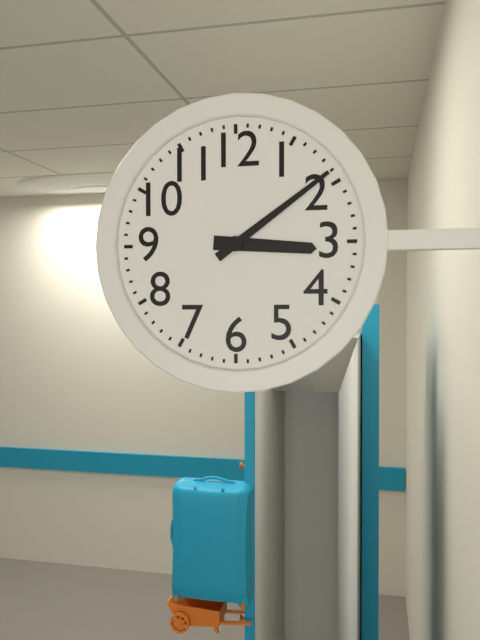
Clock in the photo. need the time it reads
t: 3:09
